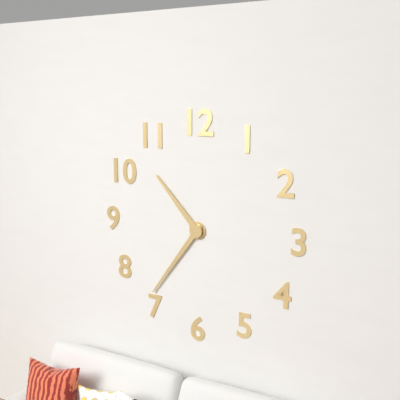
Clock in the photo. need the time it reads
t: 10:36
